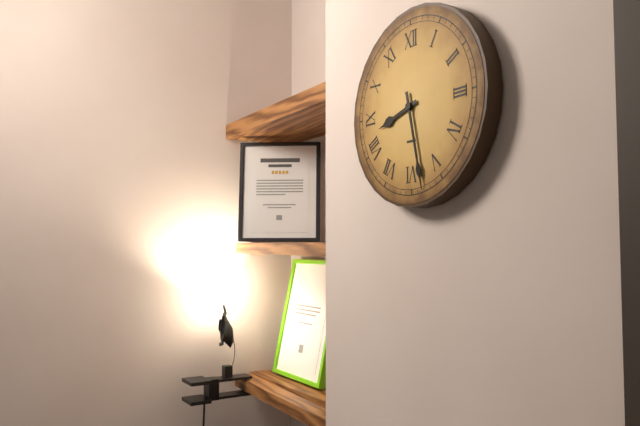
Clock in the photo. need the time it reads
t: 8:28
